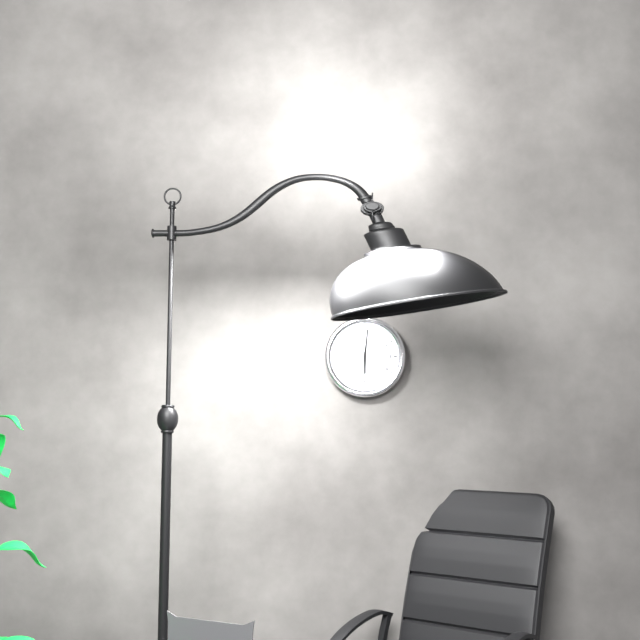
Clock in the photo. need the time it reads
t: 6:01
